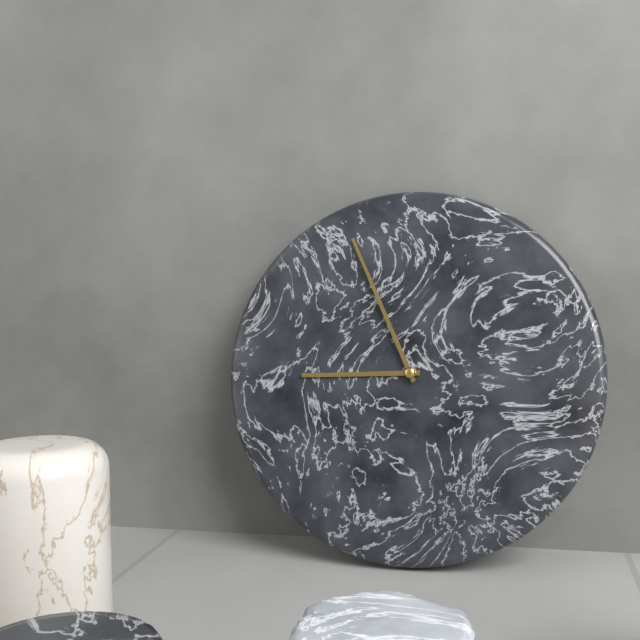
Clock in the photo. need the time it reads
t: 8:56
